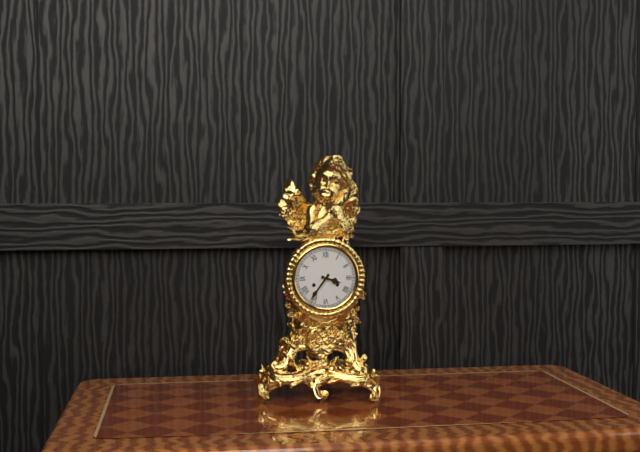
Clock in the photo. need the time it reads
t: 3:36
